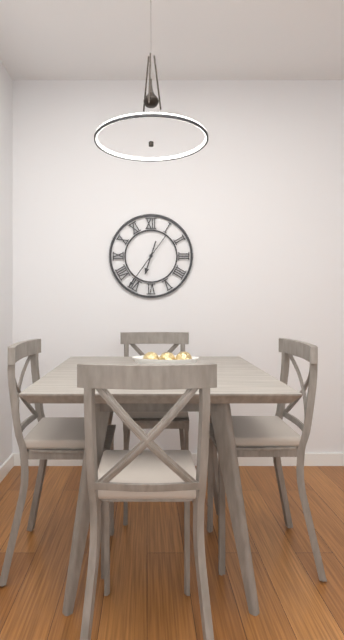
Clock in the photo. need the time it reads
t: 6:36
